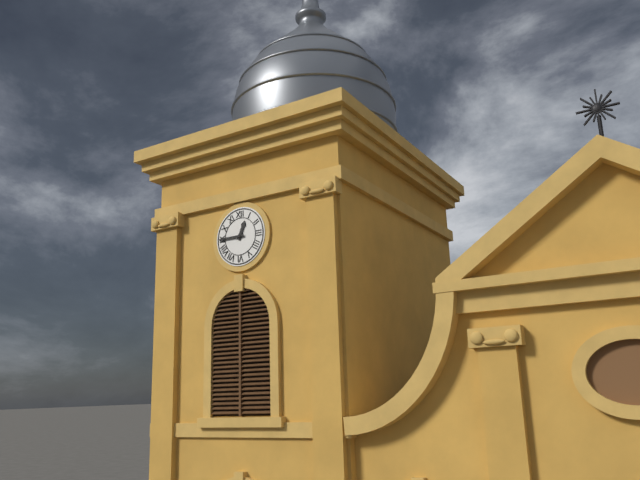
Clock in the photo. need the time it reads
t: 12:45
